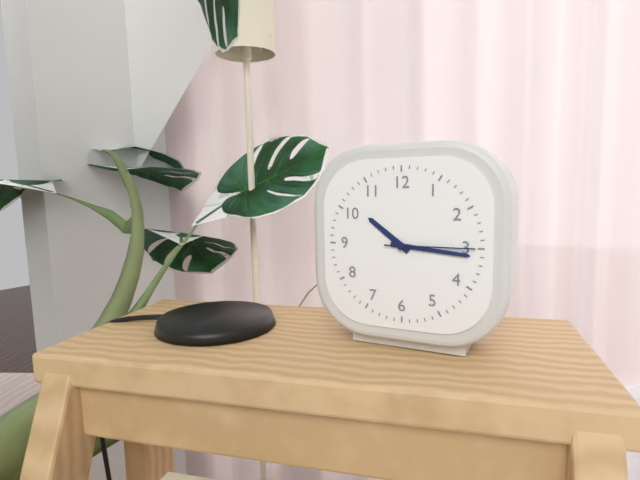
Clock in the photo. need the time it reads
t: 10:16:15
